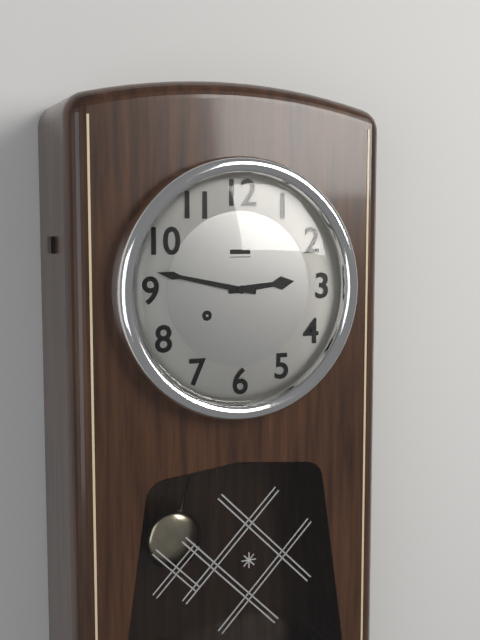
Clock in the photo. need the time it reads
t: 2:47
